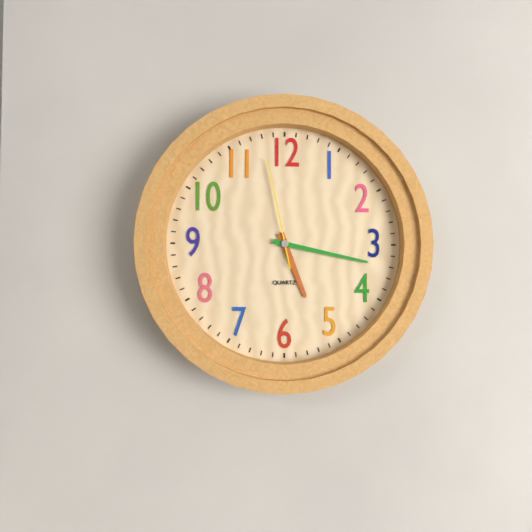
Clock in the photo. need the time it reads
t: 5:17:58
